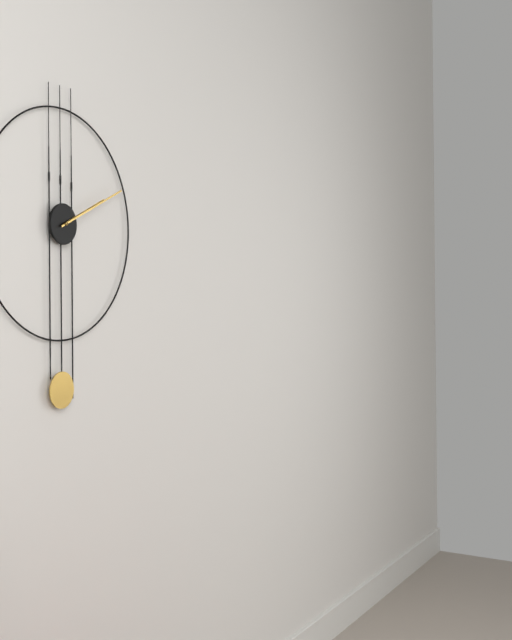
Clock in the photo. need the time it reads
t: 2:11
